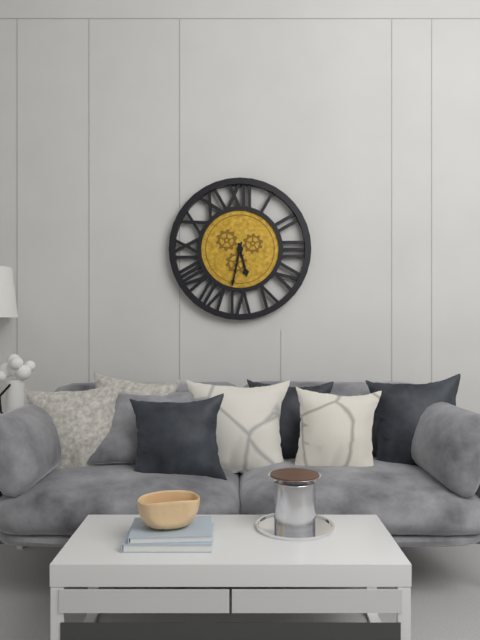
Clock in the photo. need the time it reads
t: 5:32
